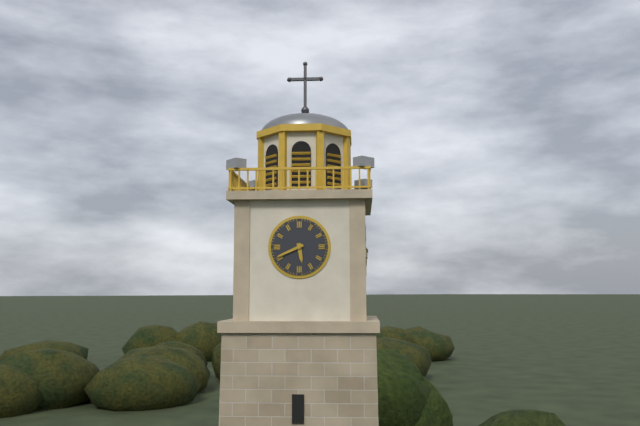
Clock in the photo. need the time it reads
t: 5:41
